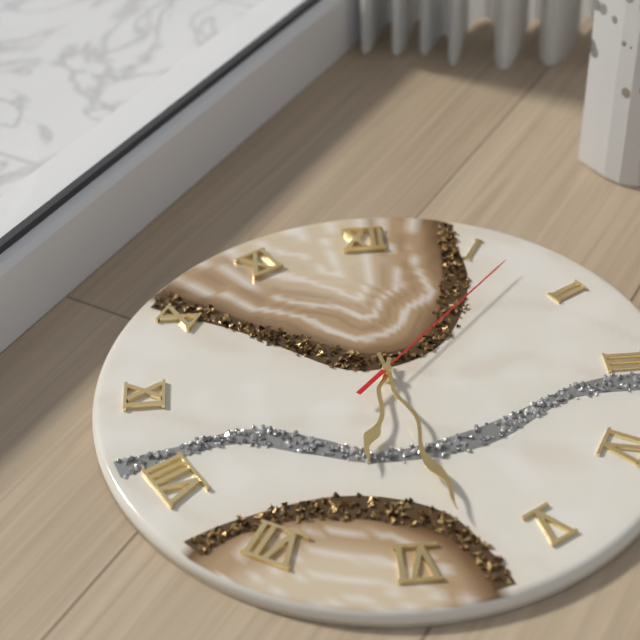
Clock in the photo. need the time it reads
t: 6:28:07
